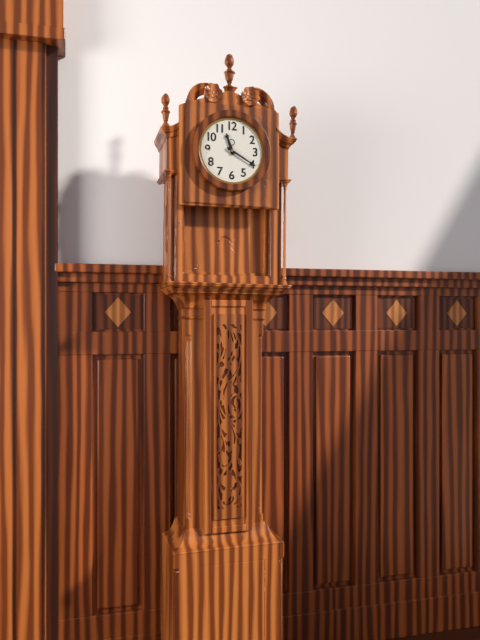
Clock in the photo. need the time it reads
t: 11:20
